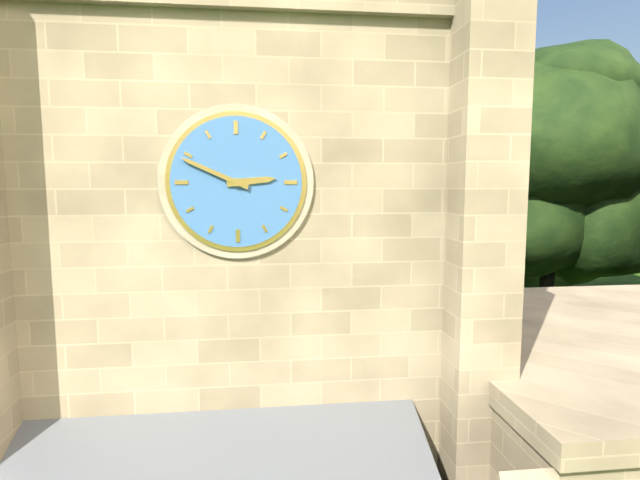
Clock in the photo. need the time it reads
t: 2:49
